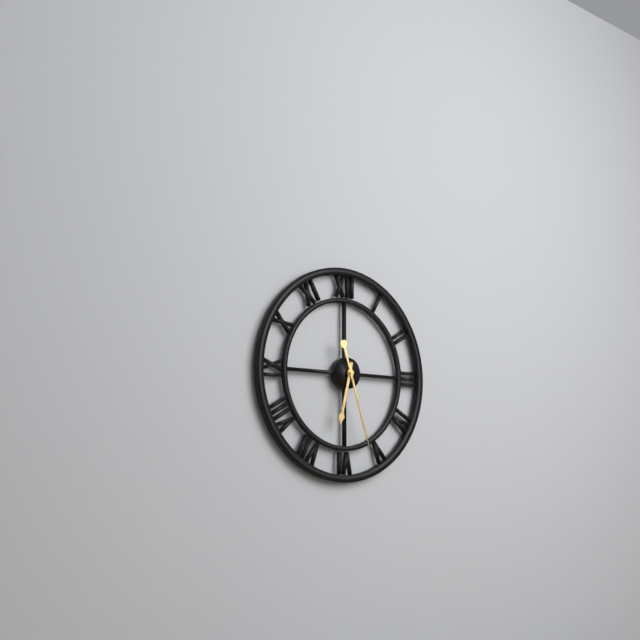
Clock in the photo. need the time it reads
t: 6:27
